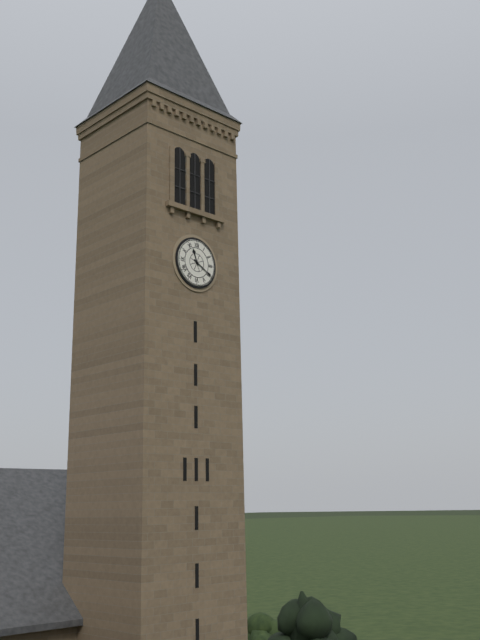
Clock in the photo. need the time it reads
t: 11:20
